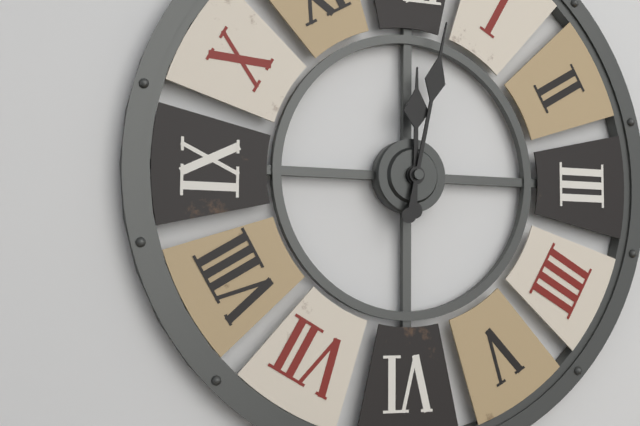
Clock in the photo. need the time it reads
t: 12:02
